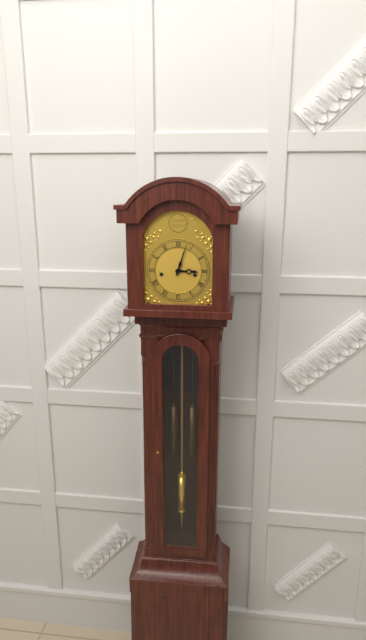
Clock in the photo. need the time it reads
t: 3:03
